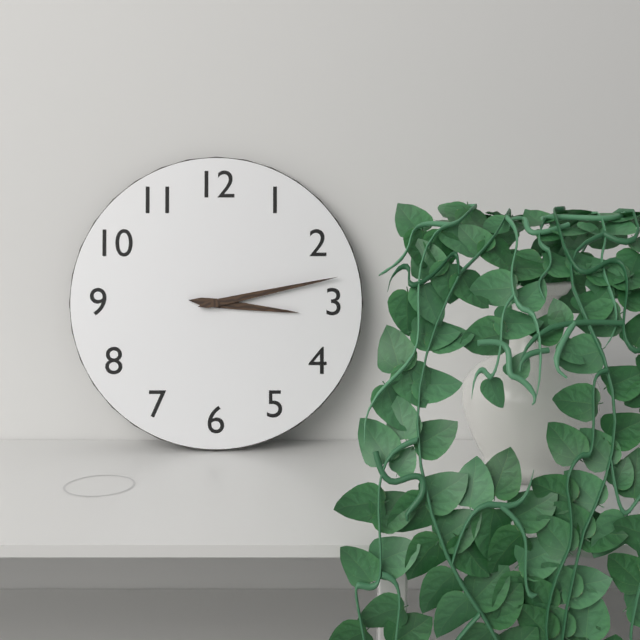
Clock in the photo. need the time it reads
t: 3:13
